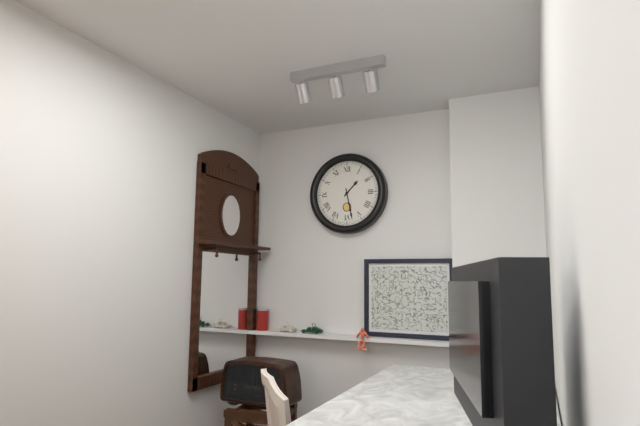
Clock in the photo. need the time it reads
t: 1:28
